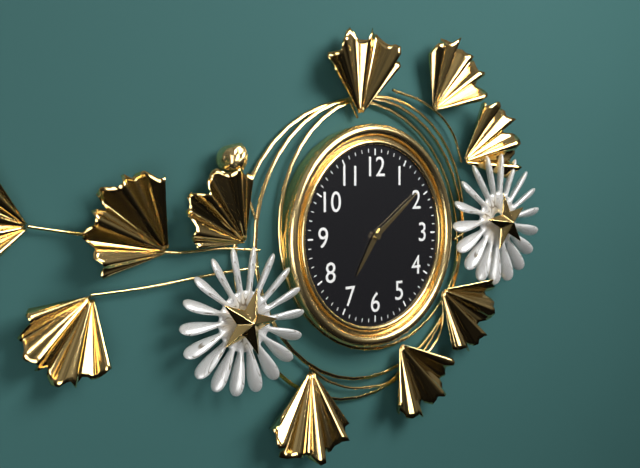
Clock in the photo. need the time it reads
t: 7:09
